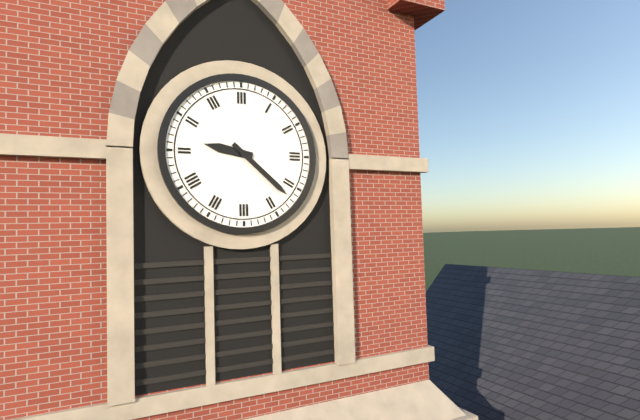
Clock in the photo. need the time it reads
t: 9:22
